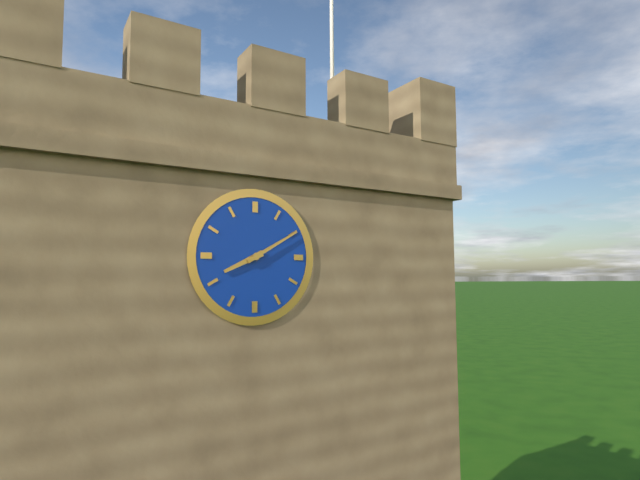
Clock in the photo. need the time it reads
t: 8:10
